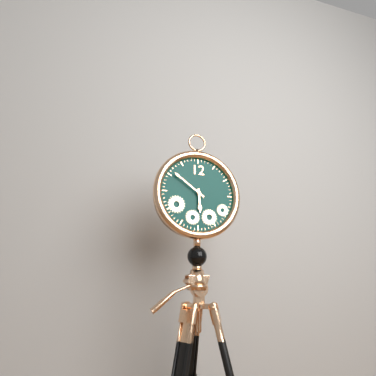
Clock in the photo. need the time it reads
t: 5:51
